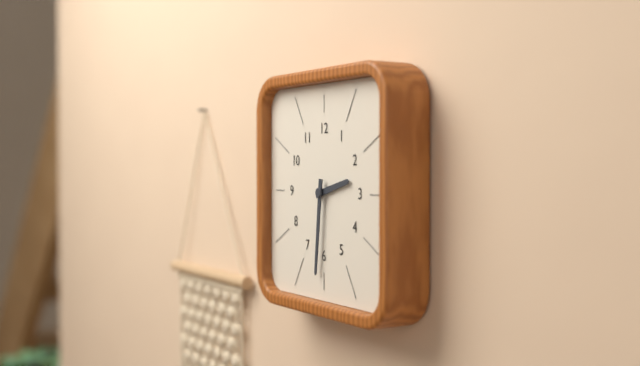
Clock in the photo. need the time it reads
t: 2:31
